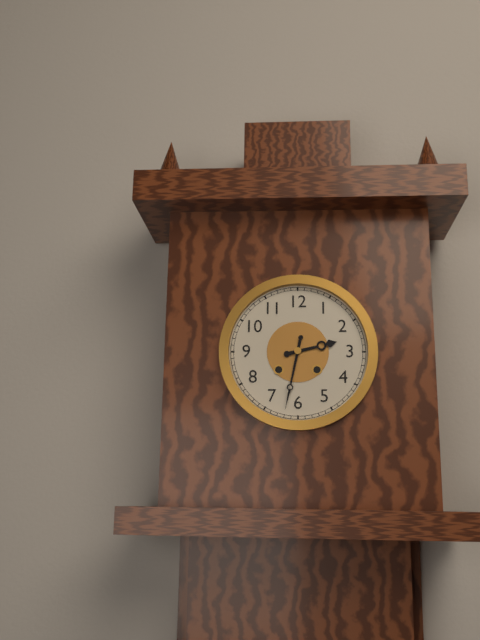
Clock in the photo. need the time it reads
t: 2:32
